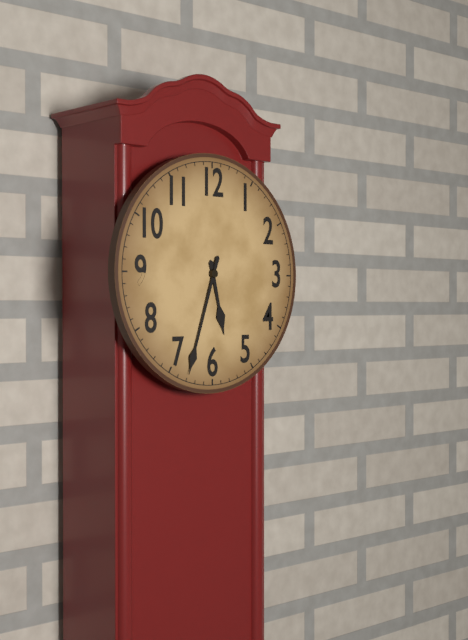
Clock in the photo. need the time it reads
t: 5:33
